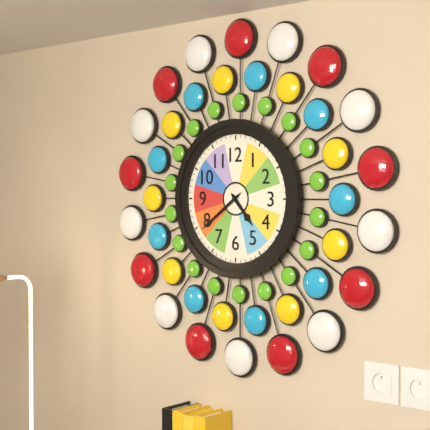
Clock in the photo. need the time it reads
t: 4:39
